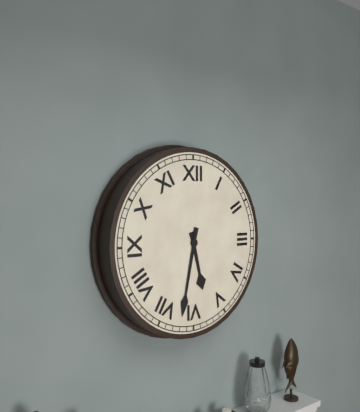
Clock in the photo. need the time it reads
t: 5:32
